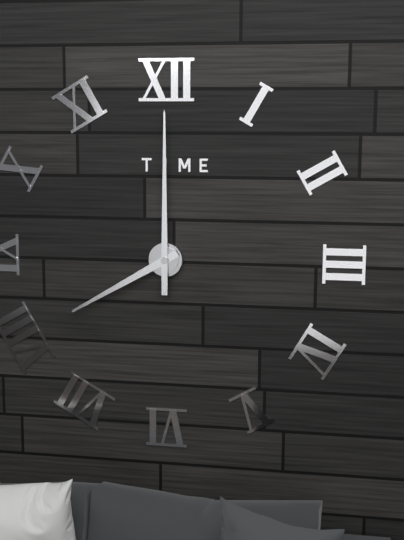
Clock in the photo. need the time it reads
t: 8:00
